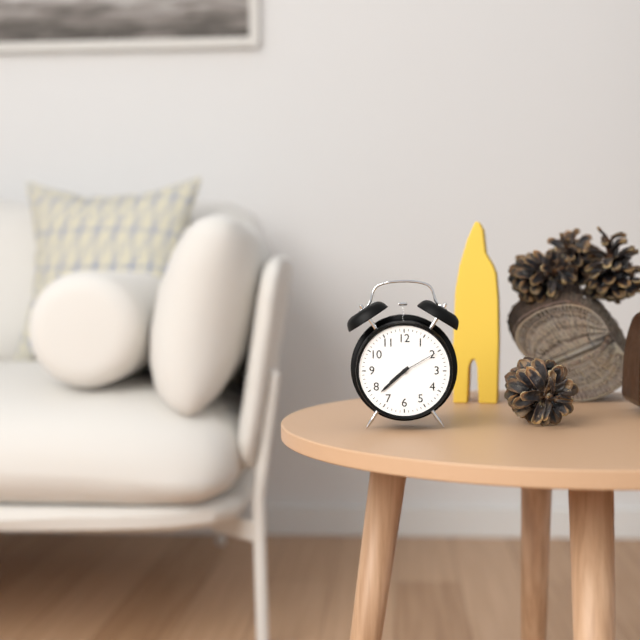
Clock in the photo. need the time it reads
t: 7:38
